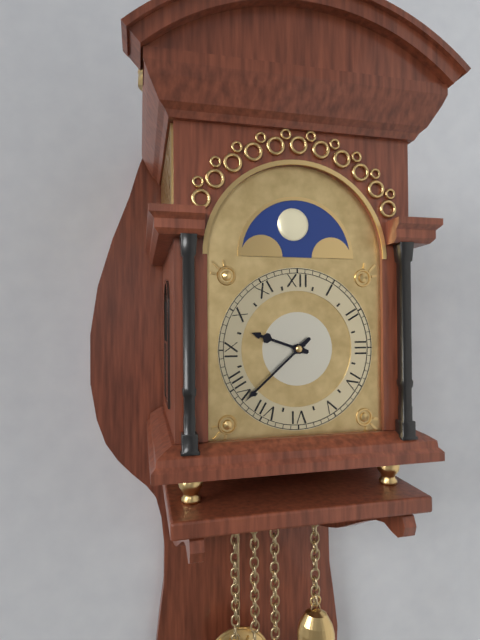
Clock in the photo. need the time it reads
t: 9:38
